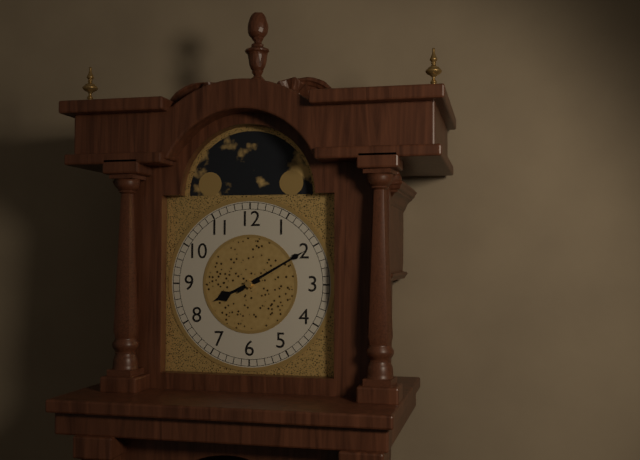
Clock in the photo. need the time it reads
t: 8:10
